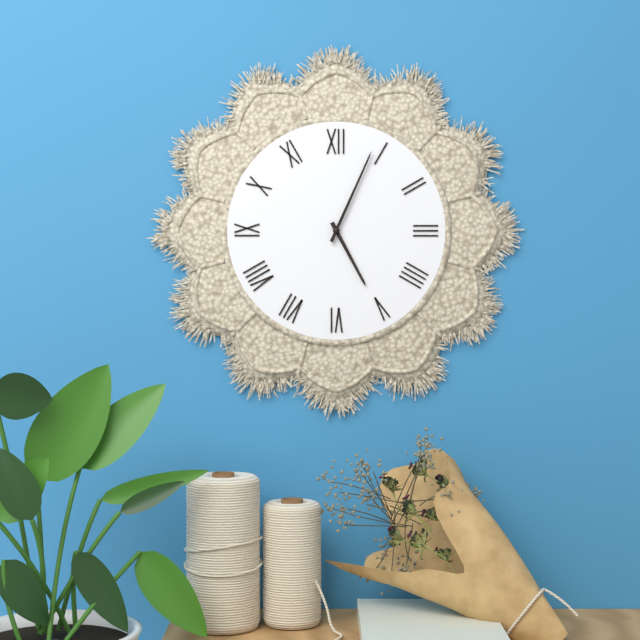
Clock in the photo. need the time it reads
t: 5:04
